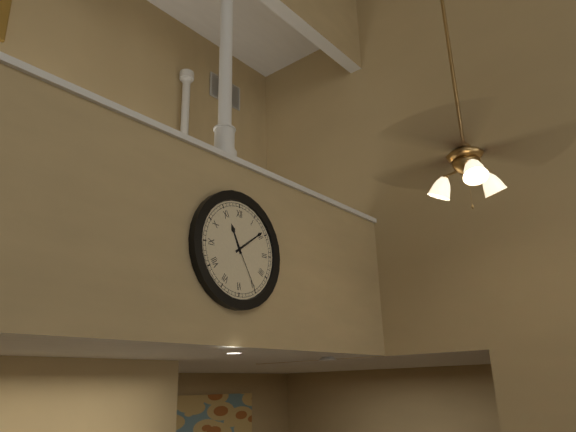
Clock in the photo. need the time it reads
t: 11:09:25
